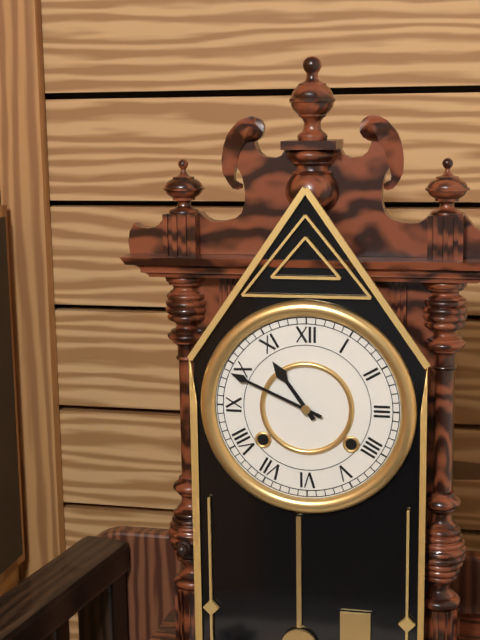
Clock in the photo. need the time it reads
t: 10:49
